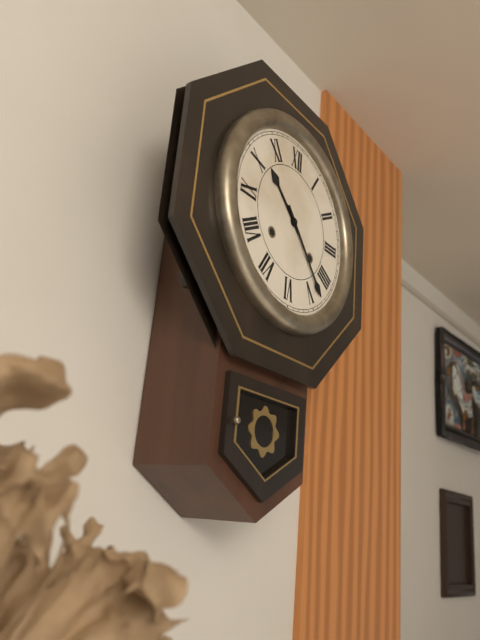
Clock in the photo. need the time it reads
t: 10:23
